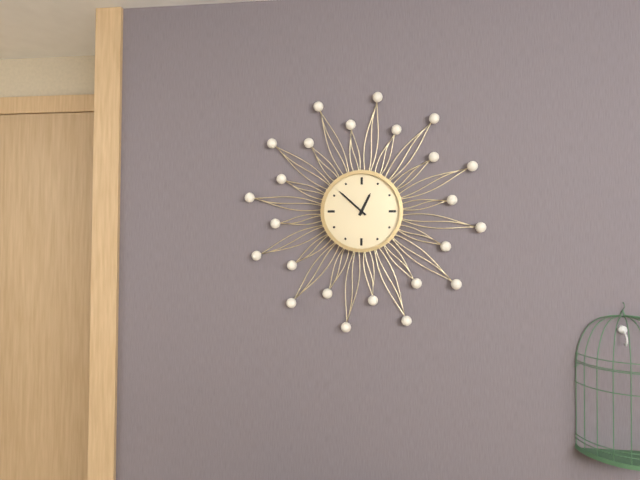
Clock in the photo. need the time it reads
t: 12:52
